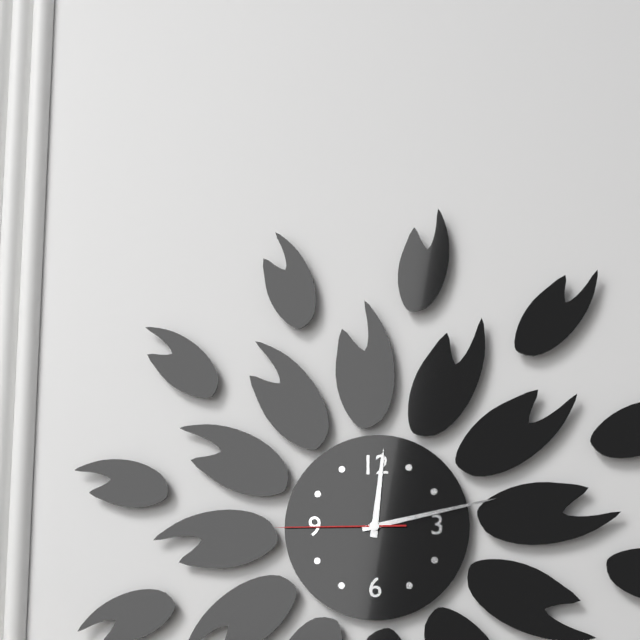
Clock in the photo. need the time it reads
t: 12:13:45
